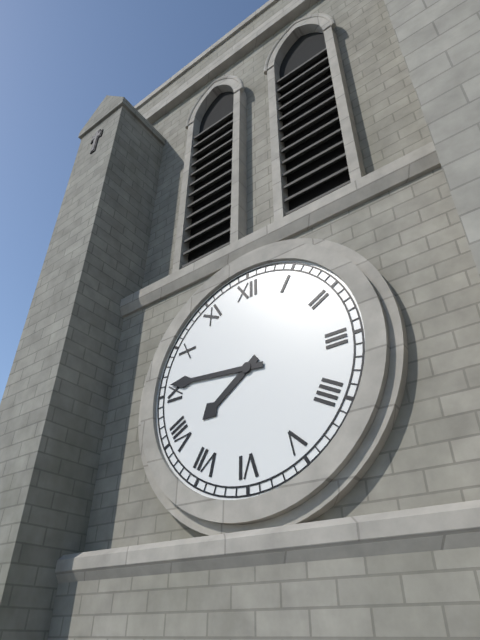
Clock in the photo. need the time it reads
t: 7:46
